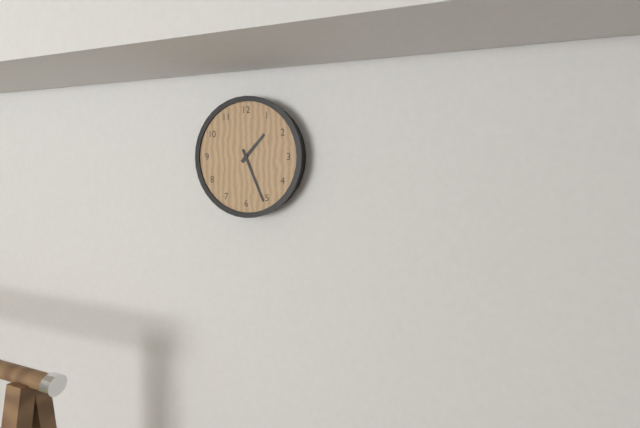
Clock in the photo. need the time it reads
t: 1:26
